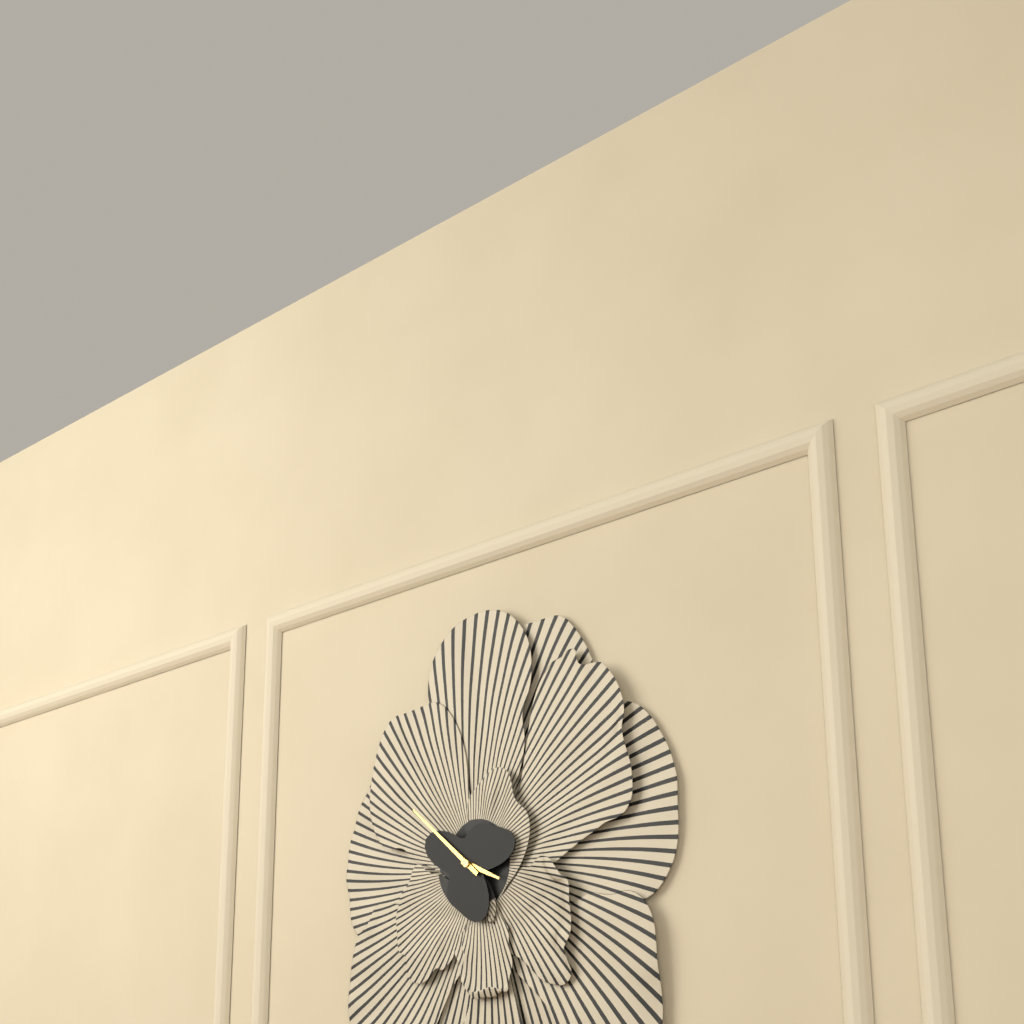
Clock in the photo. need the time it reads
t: 3:52
